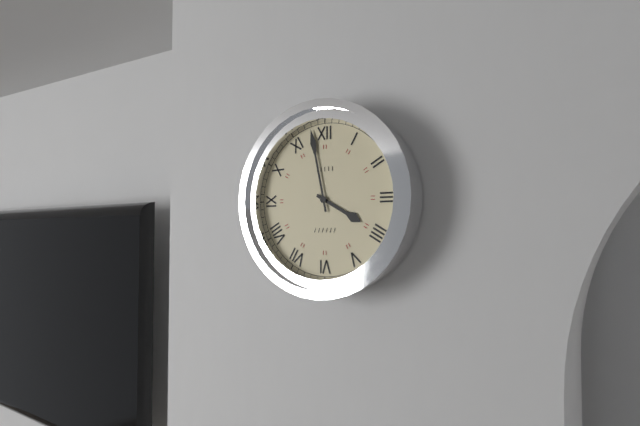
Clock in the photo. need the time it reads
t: 3:58
